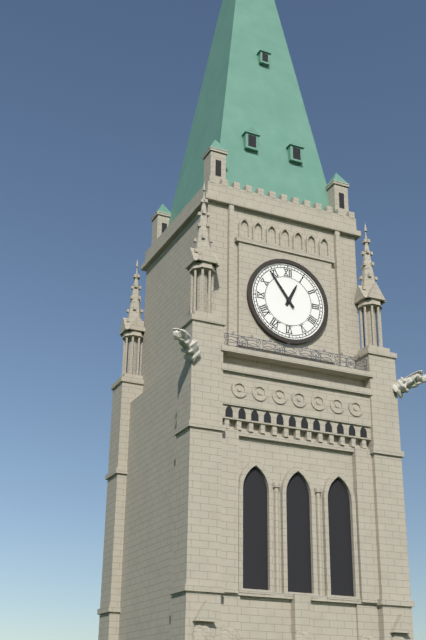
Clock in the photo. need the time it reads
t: 12:54
